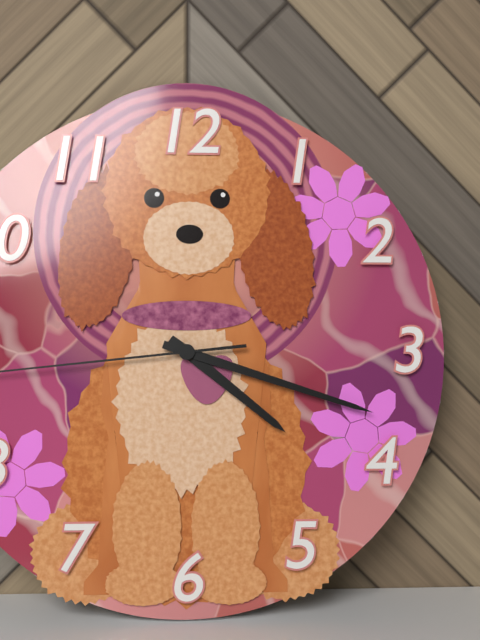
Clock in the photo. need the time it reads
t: 4:18
